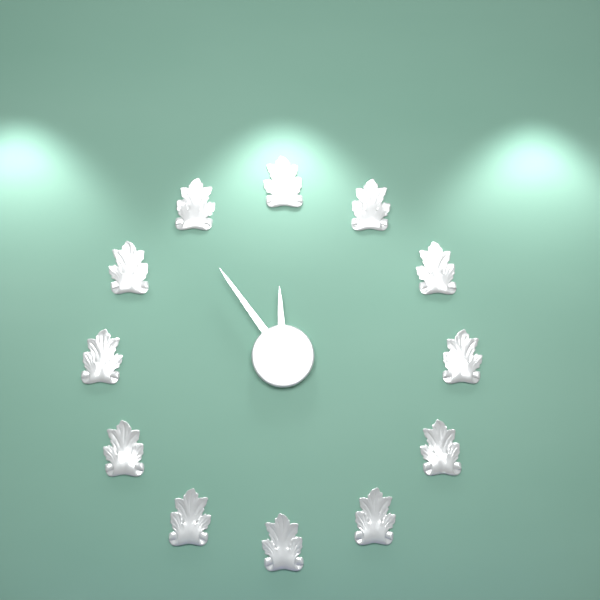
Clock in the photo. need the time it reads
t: 11:54
